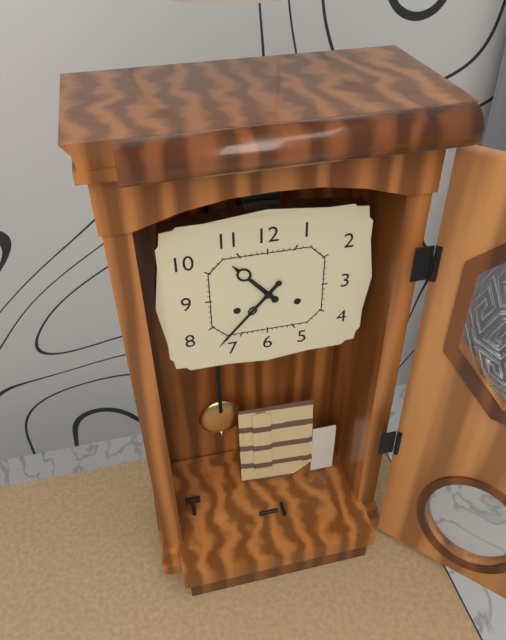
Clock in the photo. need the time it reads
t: 10:37
